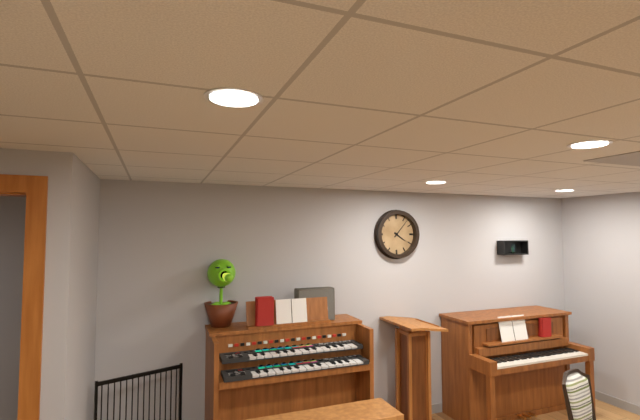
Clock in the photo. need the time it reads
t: 4:07
